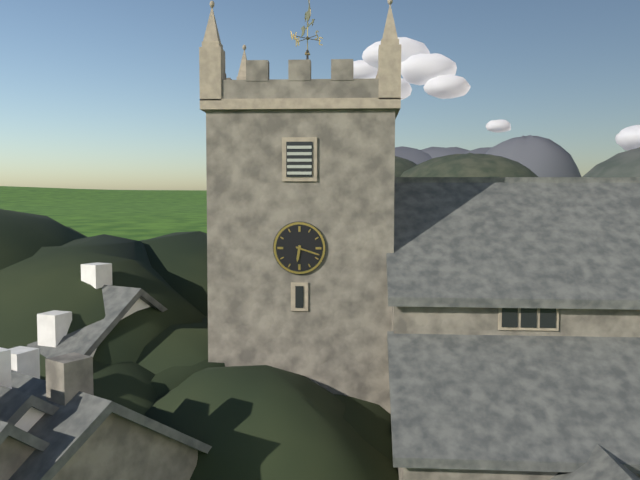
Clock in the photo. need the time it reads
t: 6:18
